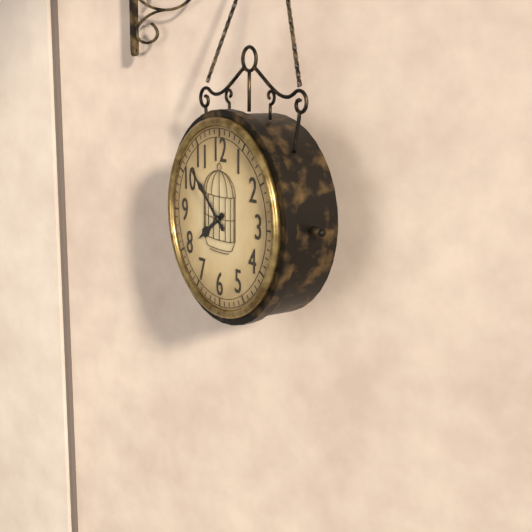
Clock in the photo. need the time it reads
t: 7:52
